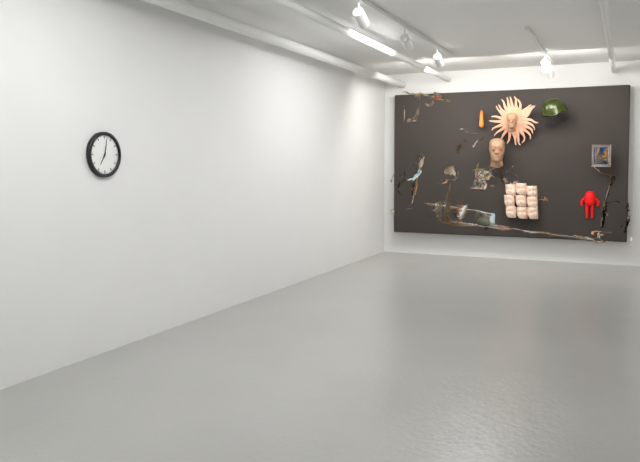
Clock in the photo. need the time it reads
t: 7:02
